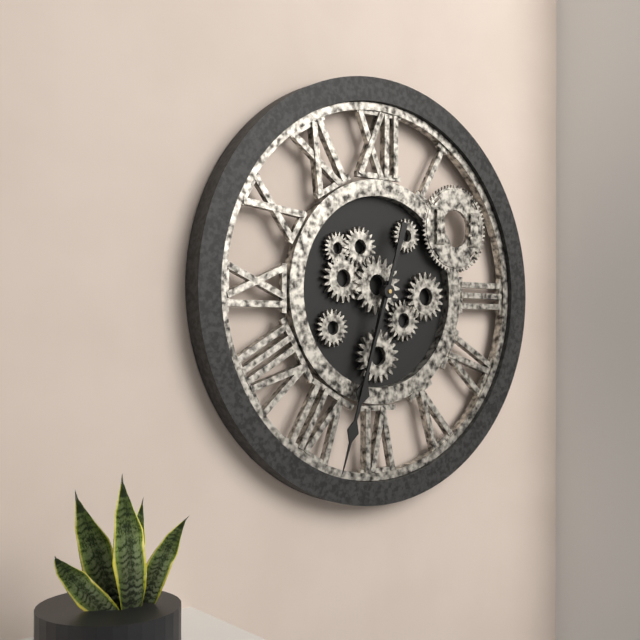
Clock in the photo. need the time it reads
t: 6:33
